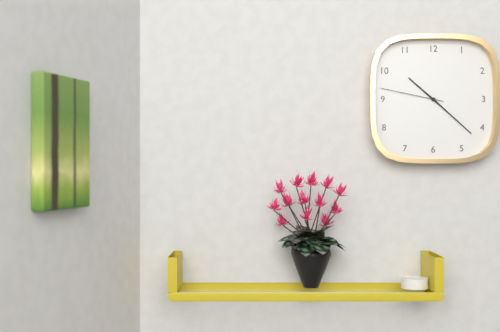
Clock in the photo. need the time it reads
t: 10:22:47
